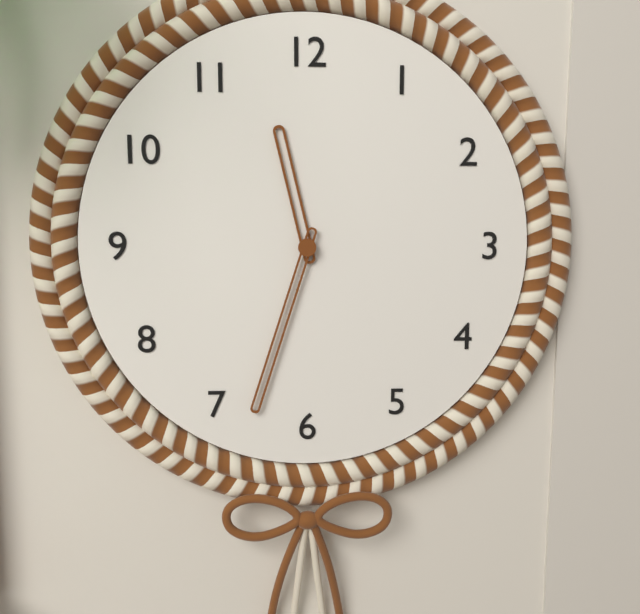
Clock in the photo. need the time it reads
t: 11:33
